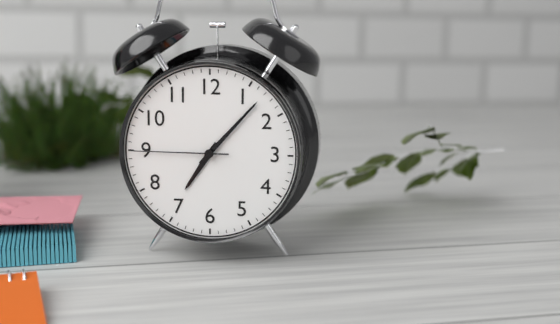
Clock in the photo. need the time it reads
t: 7:07:45
